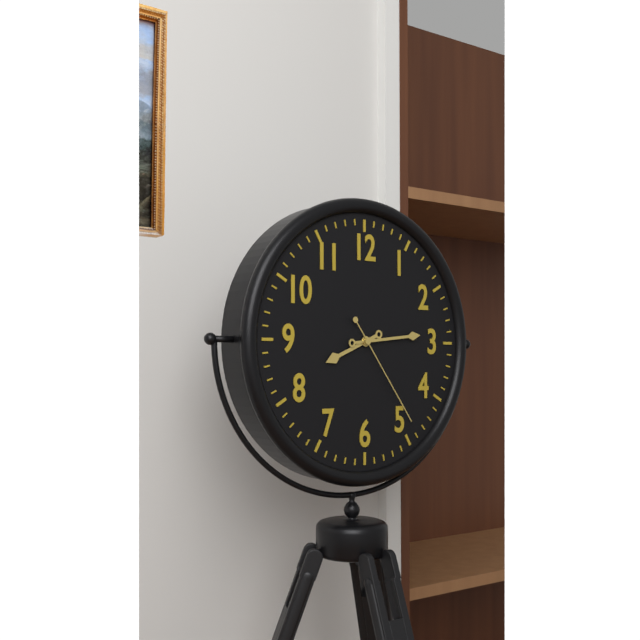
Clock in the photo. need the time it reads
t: 8:14:24
